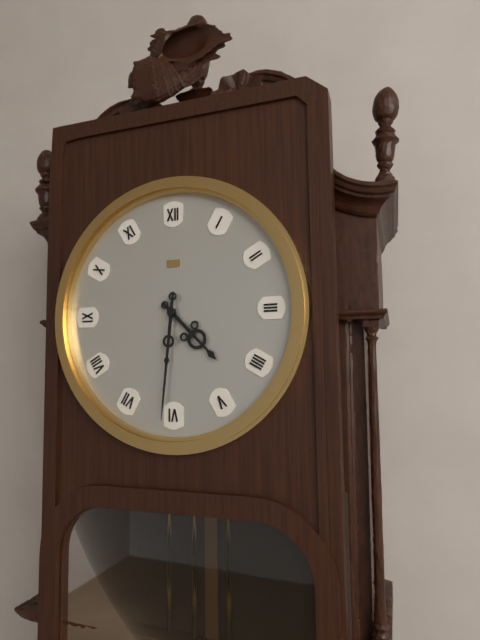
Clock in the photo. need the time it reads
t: 4:31
